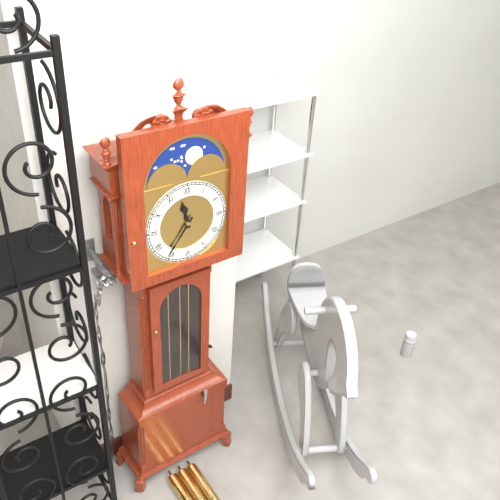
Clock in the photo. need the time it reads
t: 11:36
